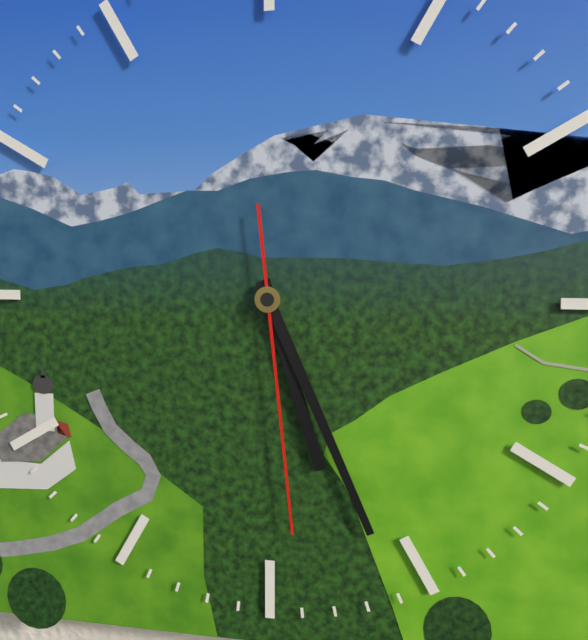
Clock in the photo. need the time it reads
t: 5:26:29
